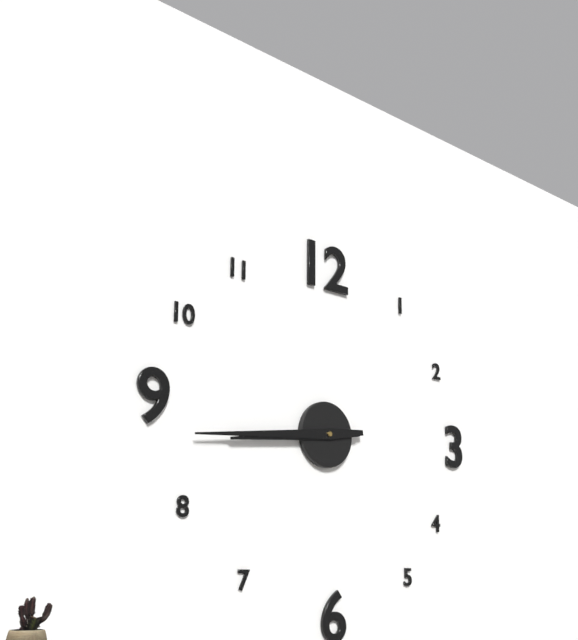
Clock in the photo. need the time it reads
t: 8:44
